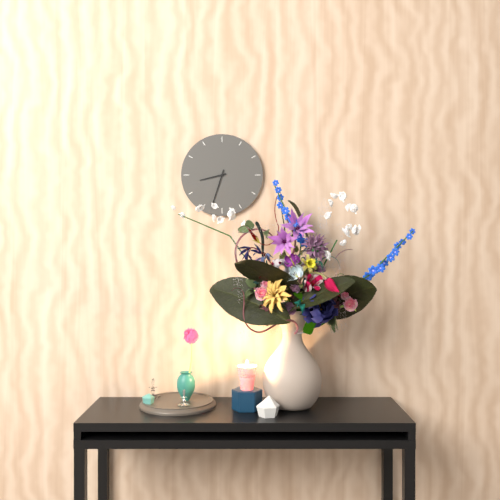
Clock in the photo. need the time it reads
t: 8:33
